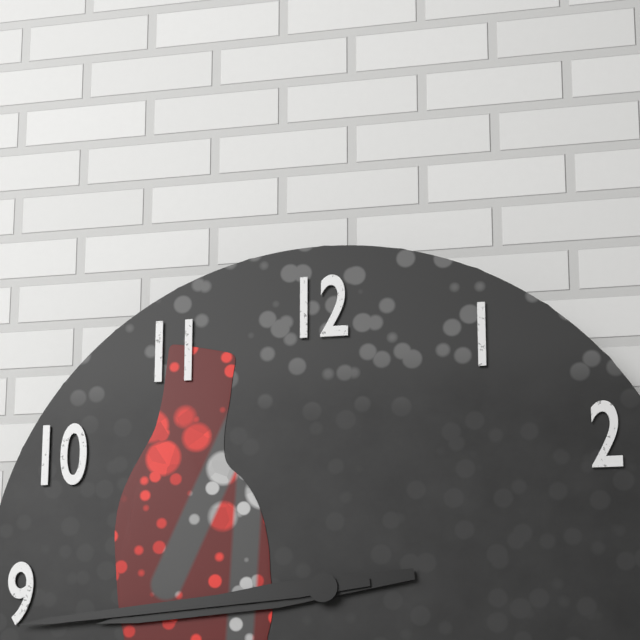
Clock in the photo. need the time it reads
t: 8:44
